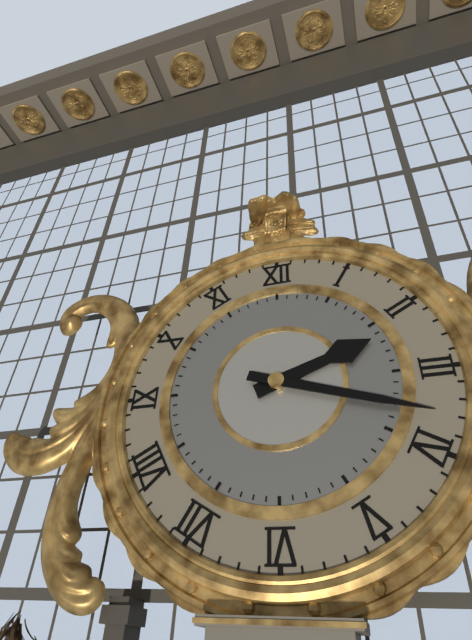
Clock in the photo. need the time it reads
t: 2:18
